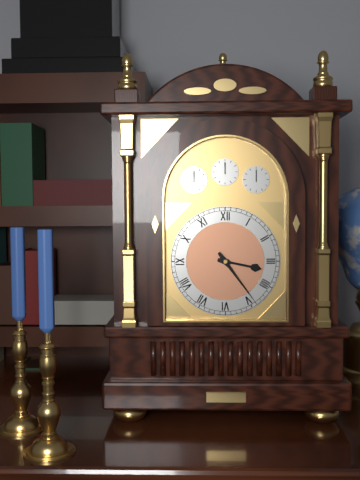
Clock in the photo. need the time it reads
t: 3:24
